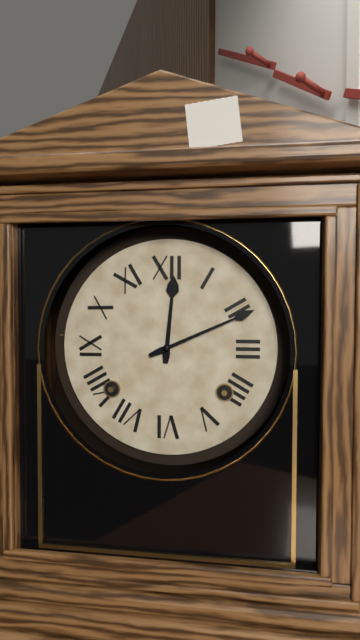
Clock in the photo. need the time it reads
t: 12:11
